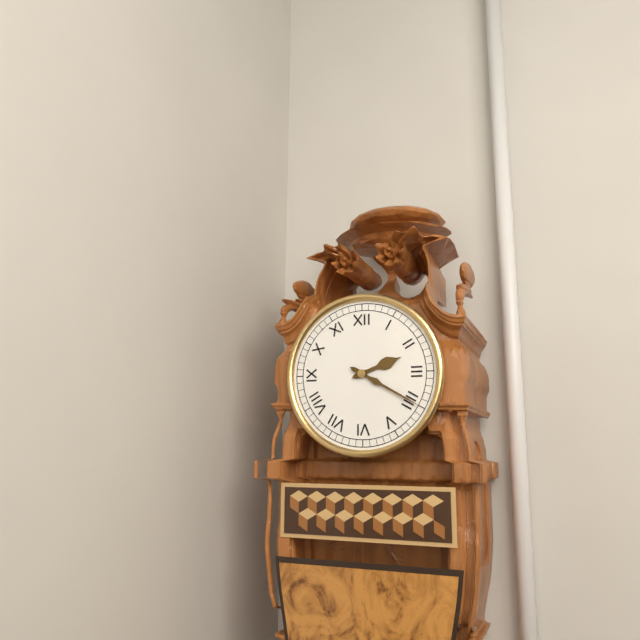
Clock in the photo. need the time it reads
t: 2:20
